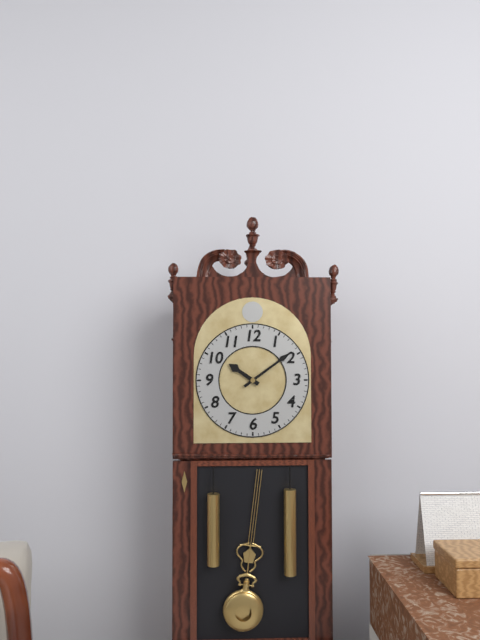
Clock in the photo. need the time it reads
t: 10:09
